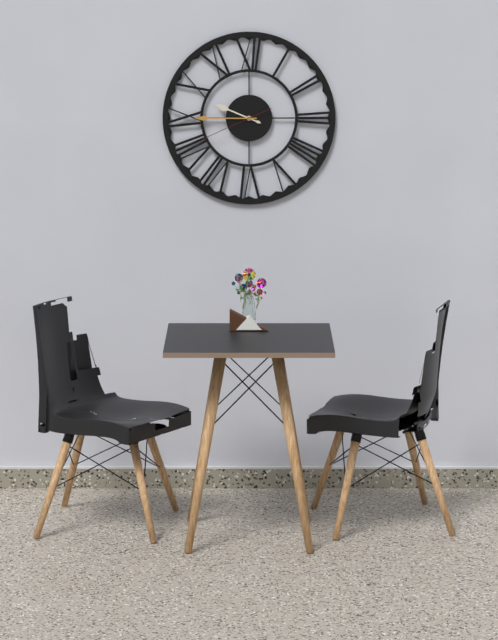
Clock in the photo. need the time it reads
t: 9:45:41
